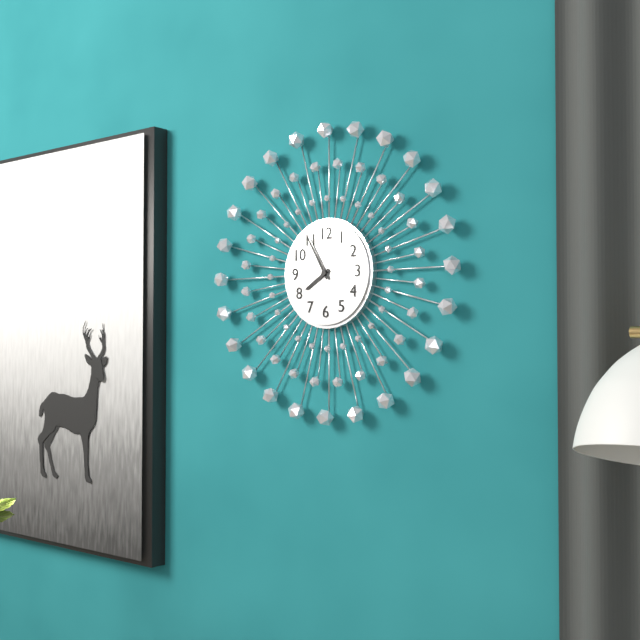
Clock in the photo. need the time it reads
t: 7:55
